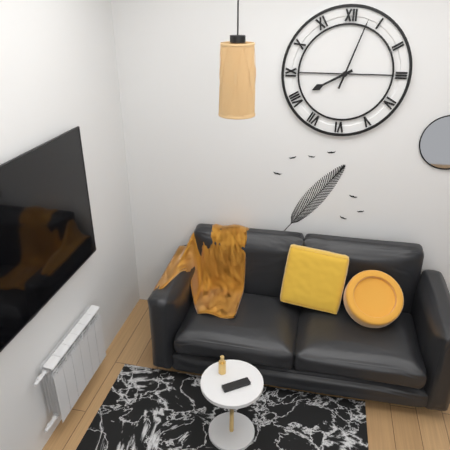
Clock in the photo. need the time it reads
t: 8:03
